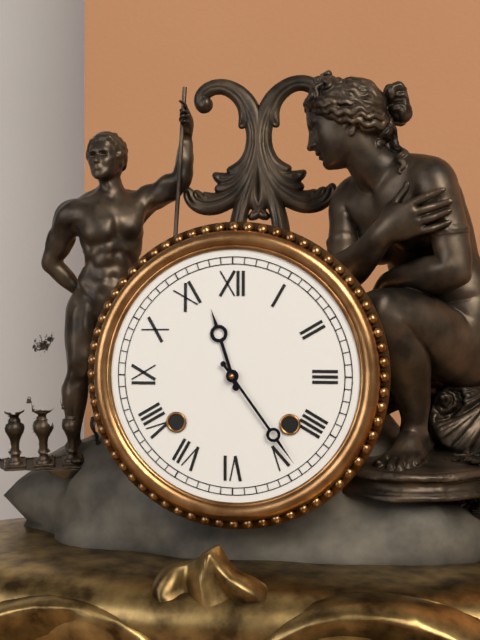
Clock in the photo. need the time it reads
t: 11:24
